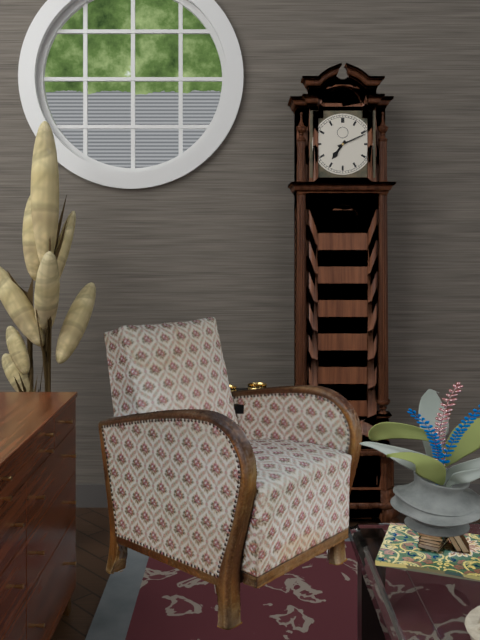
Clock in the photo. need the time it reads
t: 7:11
